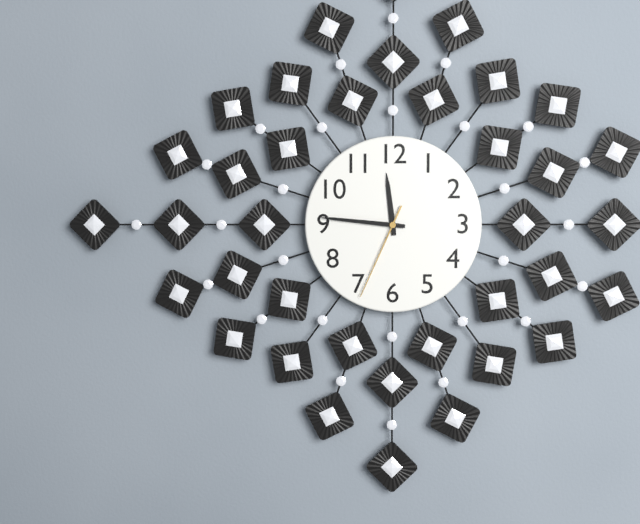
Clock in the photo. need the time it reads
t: 11:46:34
